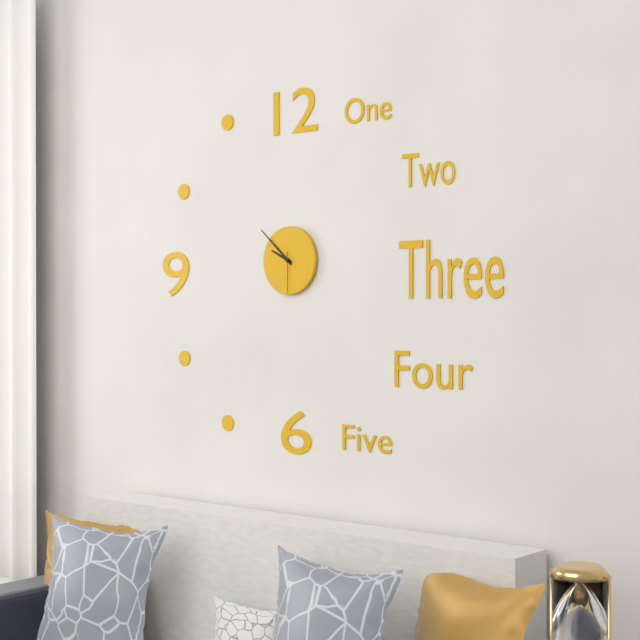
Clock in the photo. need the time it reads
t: 9:52
